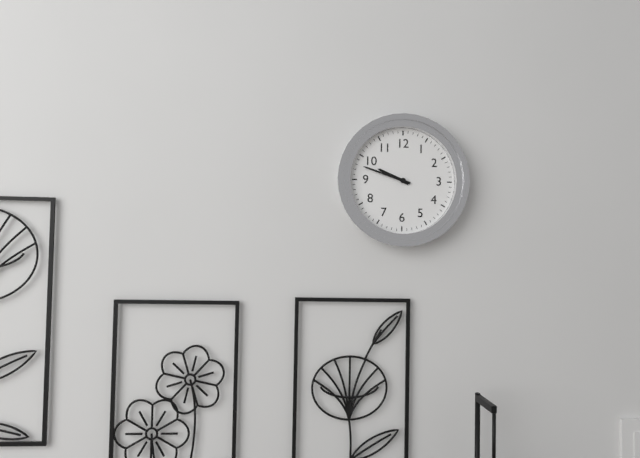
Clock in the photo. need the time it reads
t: 9:48
